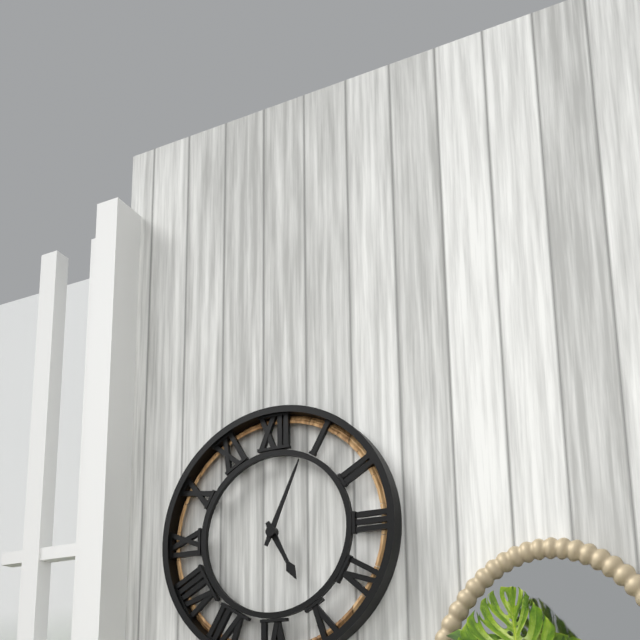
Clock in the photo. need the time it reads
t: 5:04
